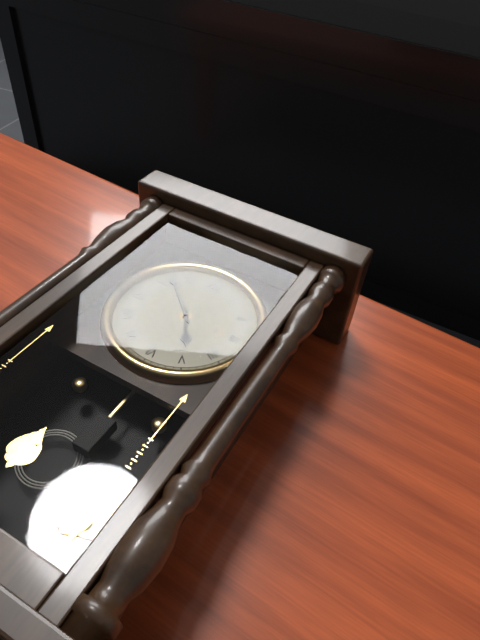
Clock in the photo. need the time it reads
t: 4:52
